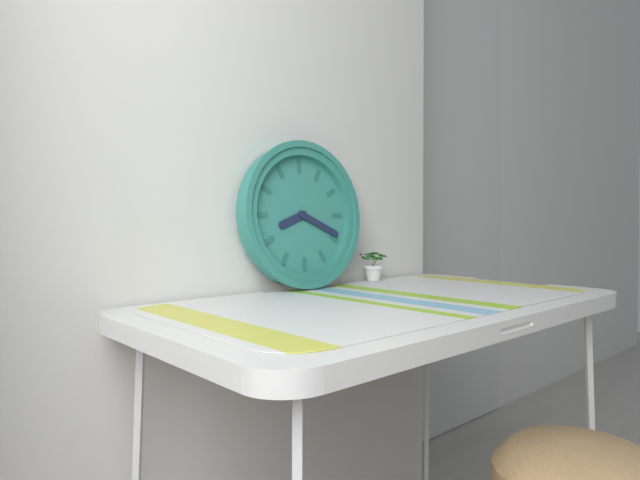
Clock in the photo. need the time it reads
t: 8:19
